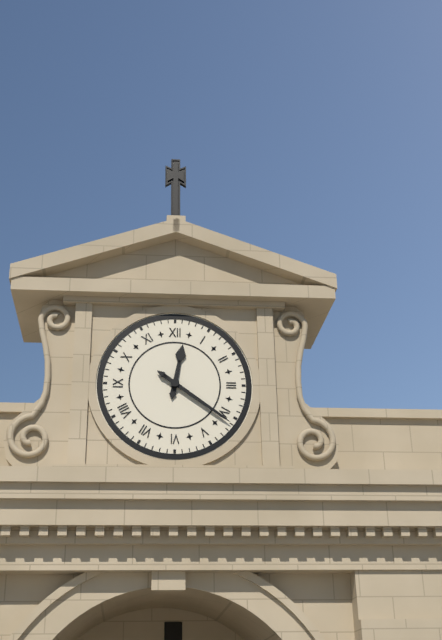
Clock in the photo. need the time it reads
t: 12:21
